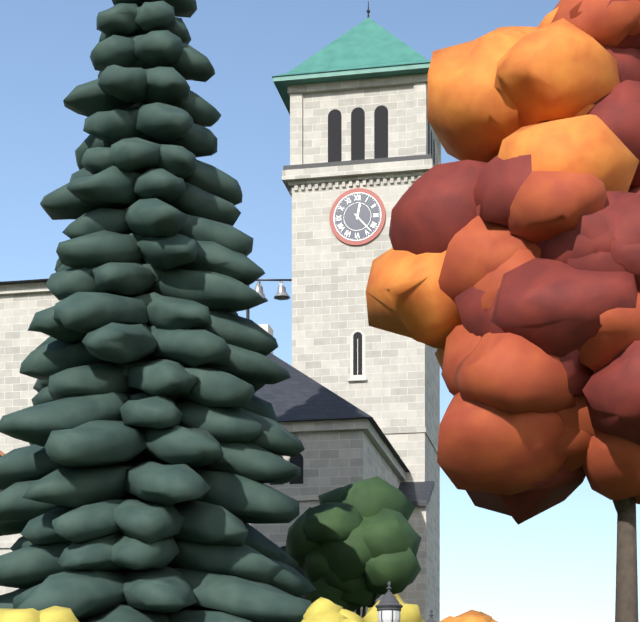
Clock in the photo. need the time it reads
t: 12:23
